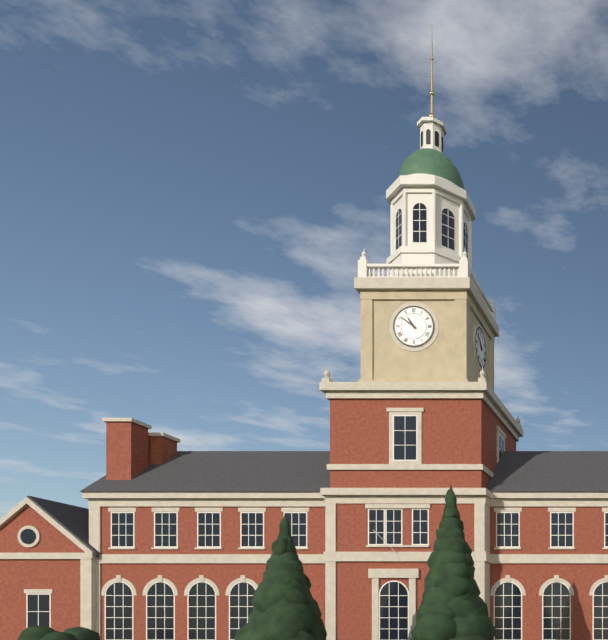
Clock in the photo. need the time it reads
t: 10:51
